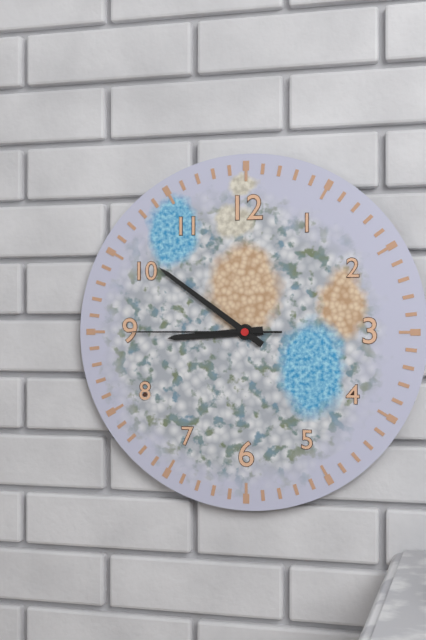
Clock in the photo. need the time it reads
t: 8:51:45
